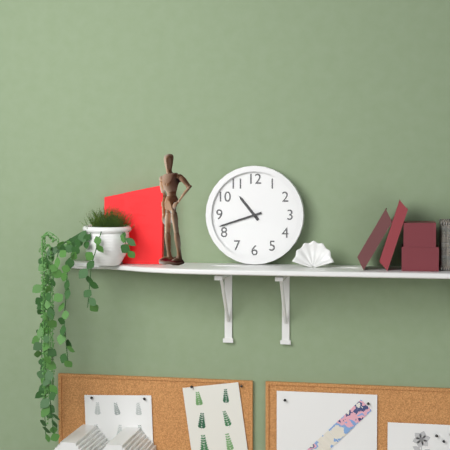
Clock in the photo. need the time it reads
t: 10:42
